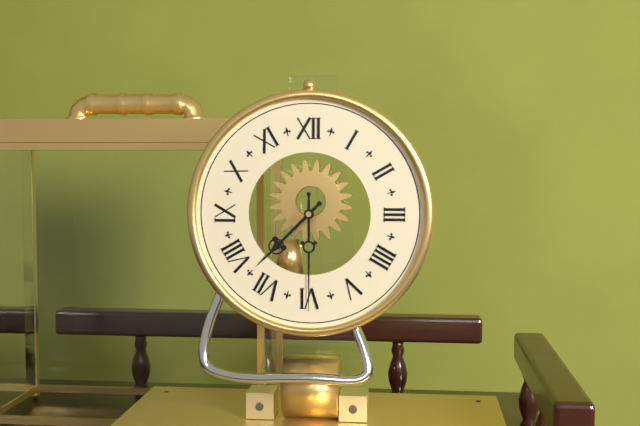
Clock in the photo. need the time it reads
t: 7:30
